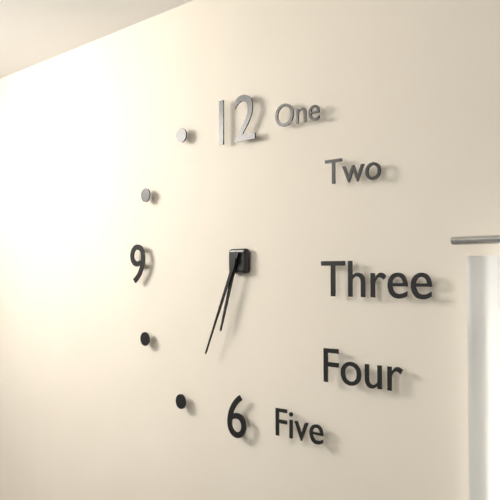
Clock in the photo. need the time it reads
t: 6:34
